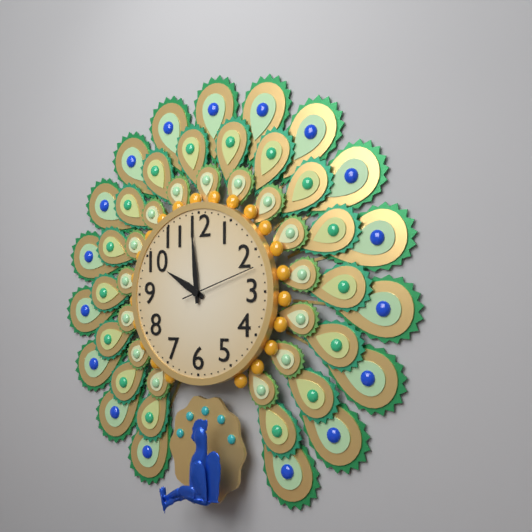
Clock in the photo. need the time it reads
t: 9:59:12
